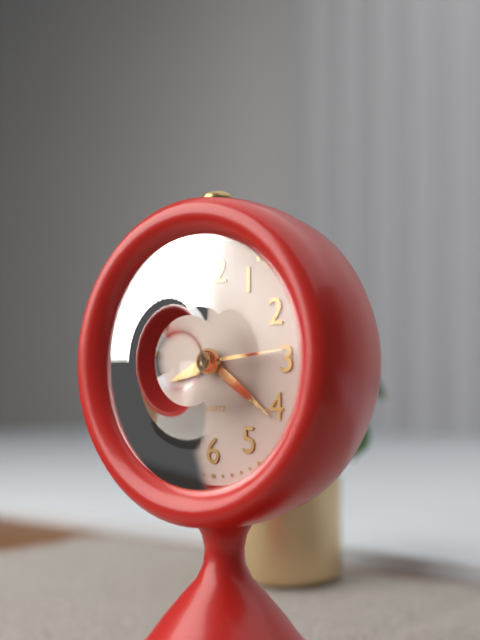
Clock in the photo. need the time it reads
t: 8:21:14
